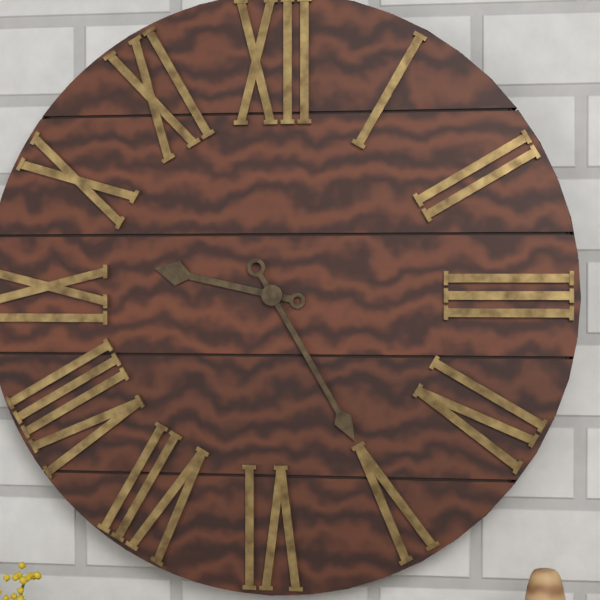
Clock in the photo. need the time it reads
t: 9:25
